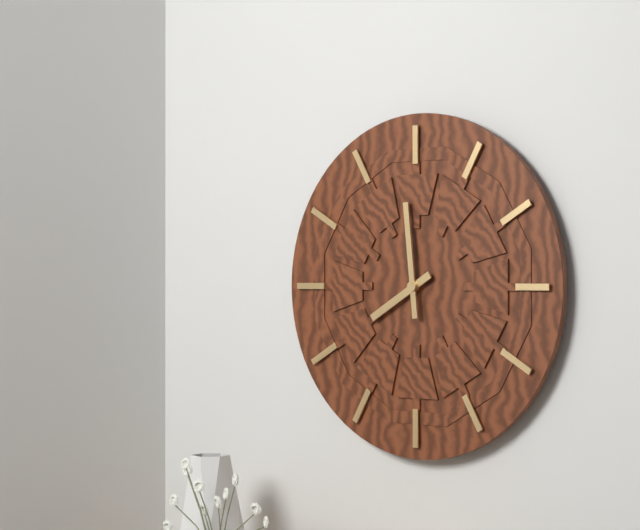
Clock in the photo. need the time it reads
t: 7:59
